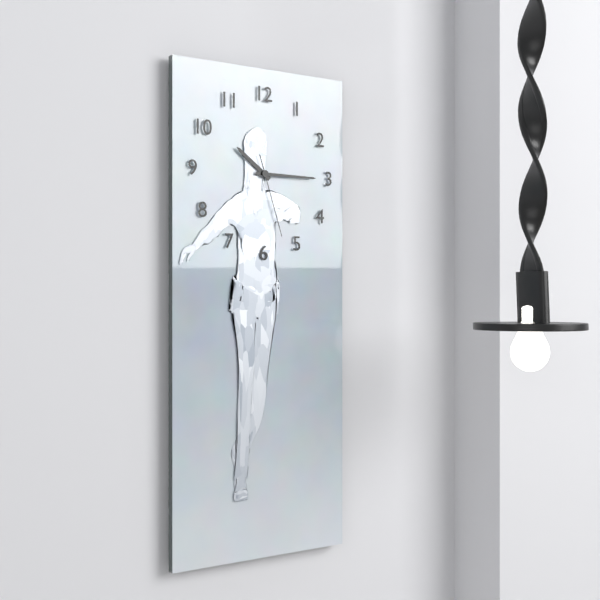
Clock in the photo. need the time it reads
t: 10:15:27
